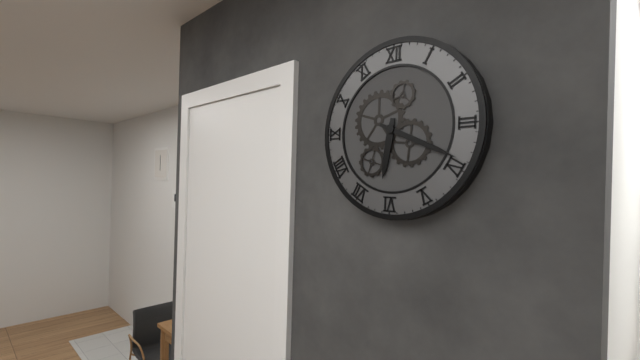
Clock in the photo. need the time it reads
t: 6:19
